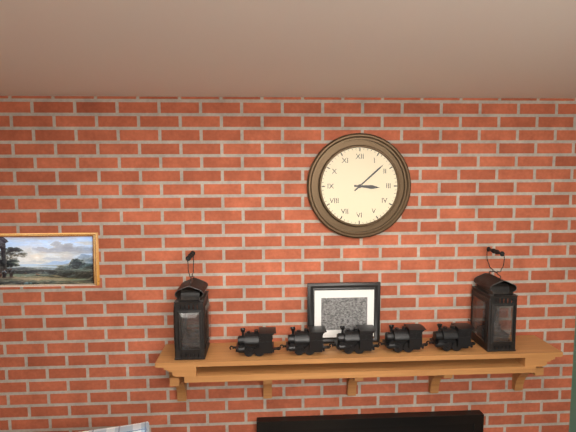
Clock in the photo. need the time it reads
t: 3:08
